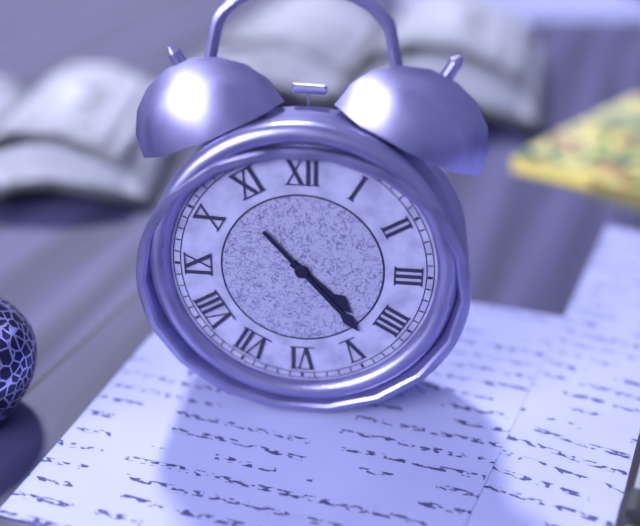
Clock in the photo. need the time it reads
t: 4:23
